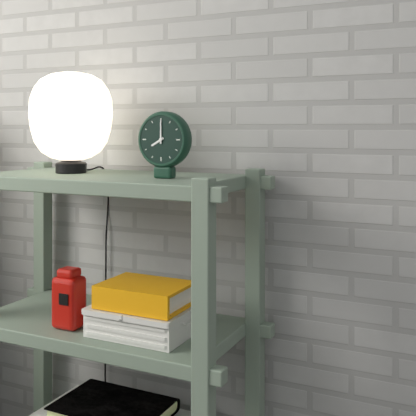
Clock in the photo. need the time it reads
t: 8:00
